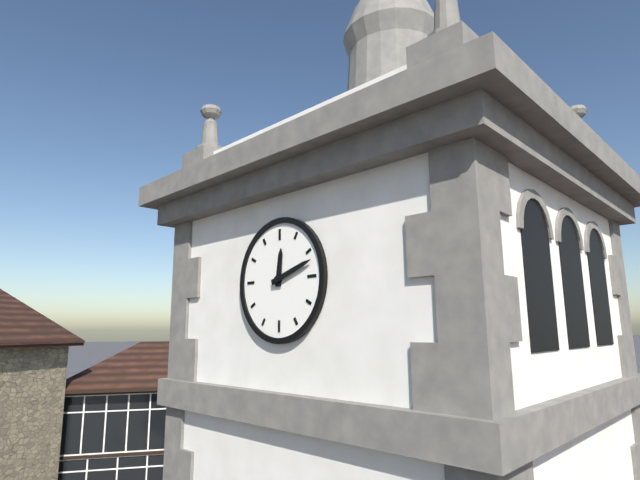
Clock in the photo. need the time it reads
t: 12:12
